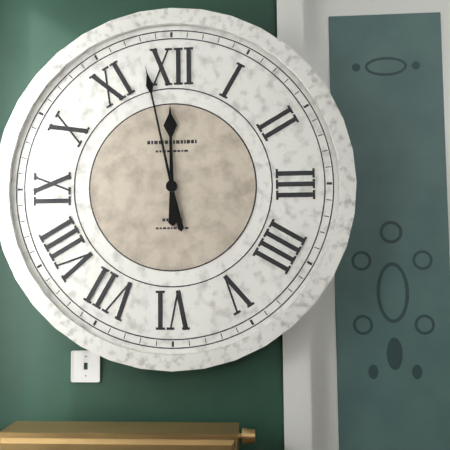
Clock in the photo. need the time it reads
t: 11:58
